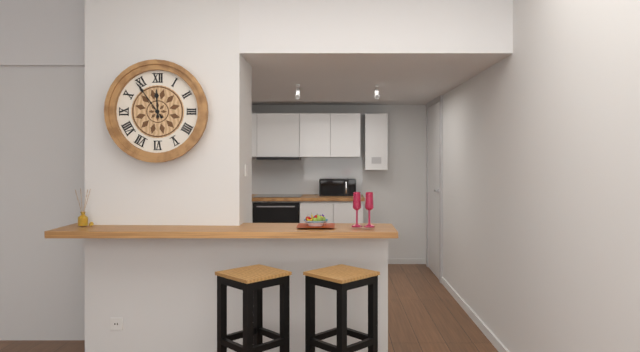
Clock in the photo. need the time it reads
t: 11:54
